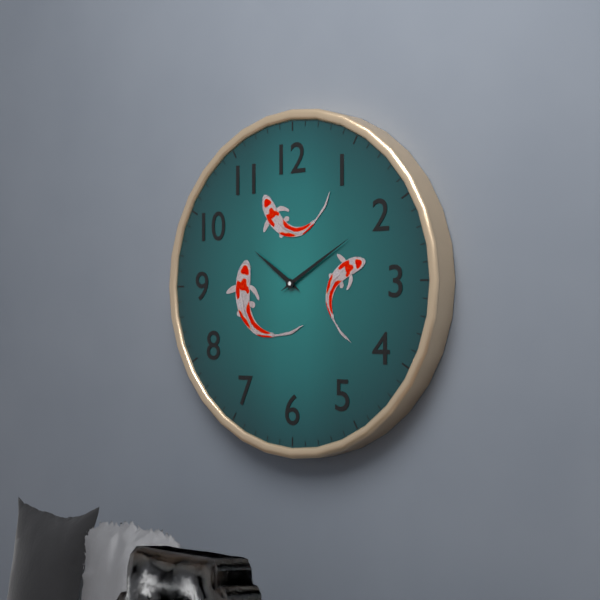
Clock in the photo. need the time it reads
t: 10:10
